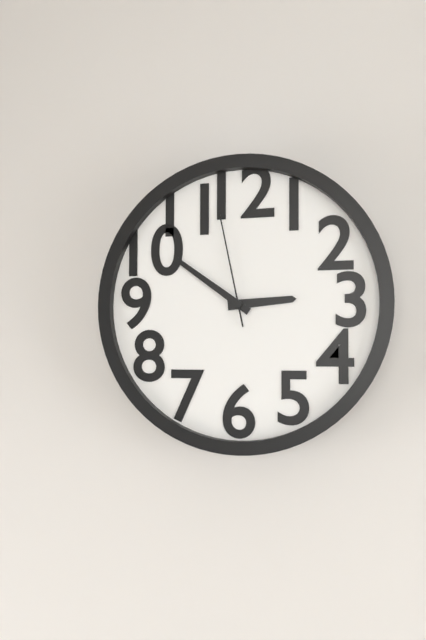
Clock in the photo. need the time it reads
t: 2:51:58
